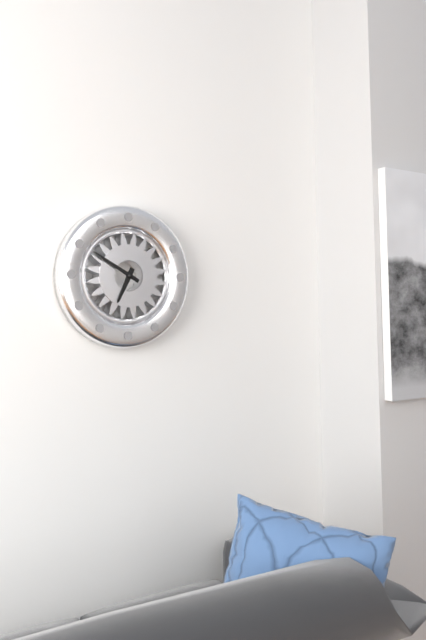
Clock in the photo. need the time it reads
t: 6:50
